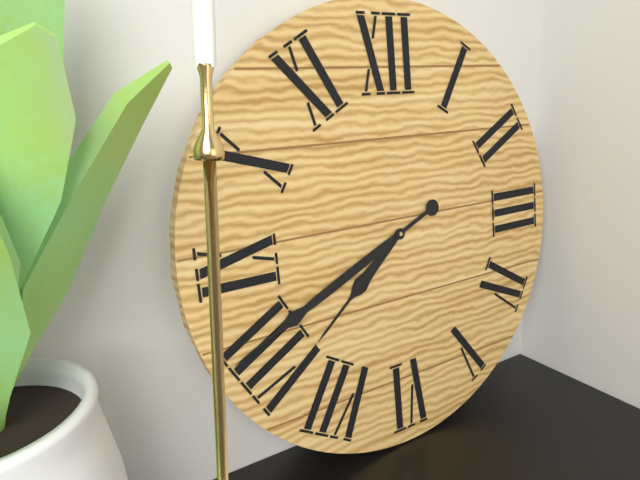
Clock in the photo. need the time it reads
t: 7:41
